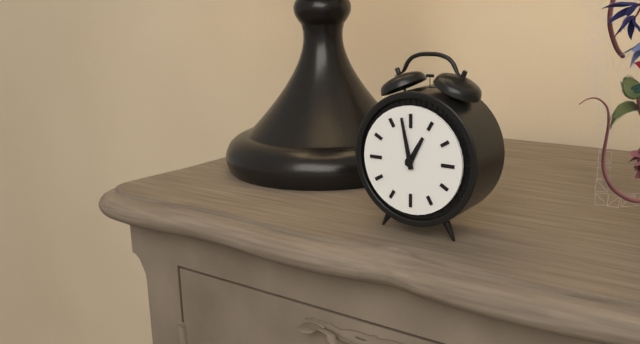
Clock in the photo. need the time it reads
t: 12:58
